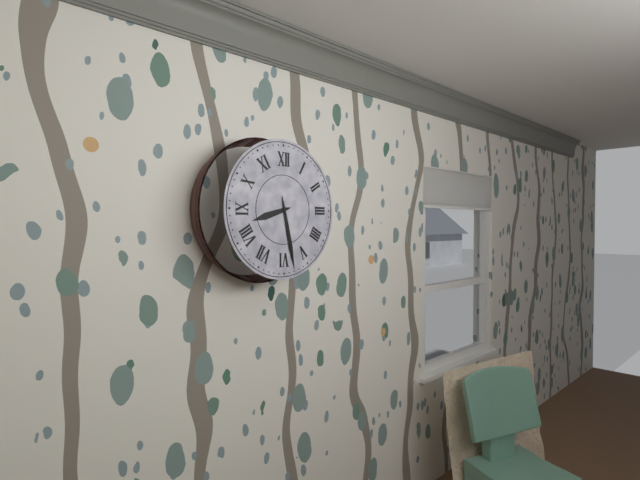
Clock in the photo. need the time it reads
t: 8:28
